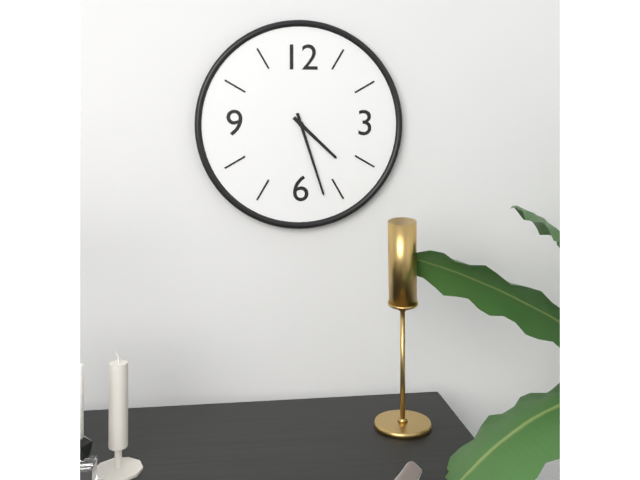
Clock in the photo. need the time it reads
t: 4:27
